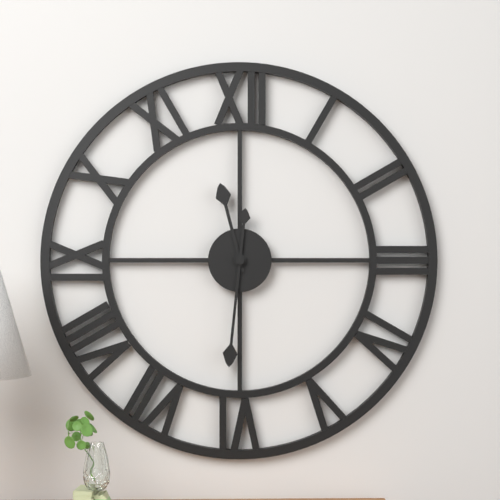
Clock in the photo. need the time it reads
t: 11:31
